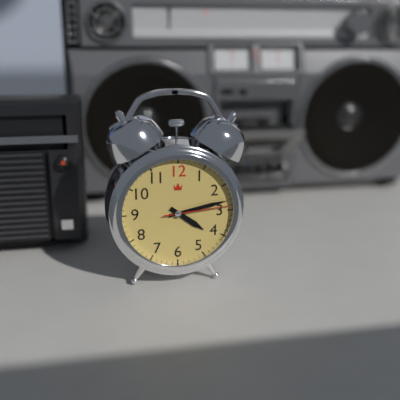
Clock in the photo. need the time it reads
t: 4:13:14
